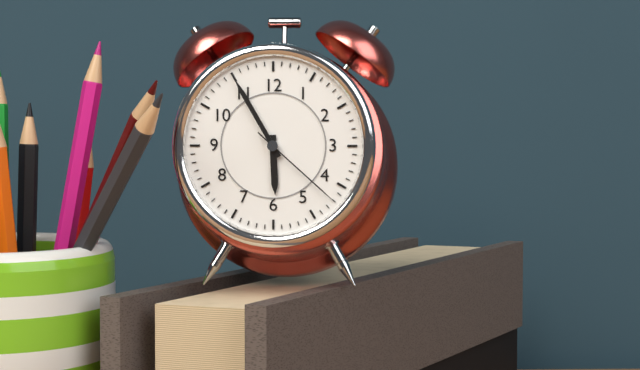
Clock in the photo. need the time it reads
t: 5:55:22
